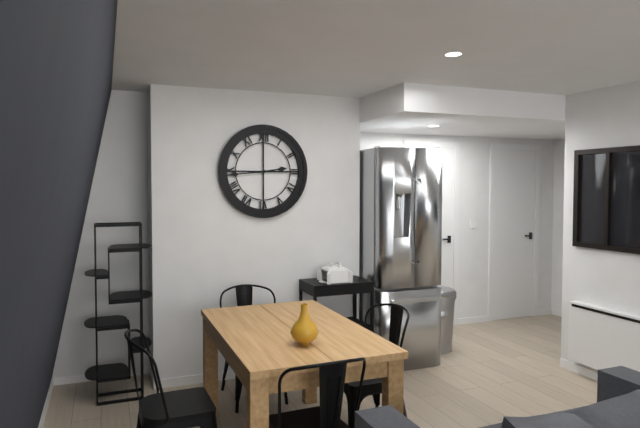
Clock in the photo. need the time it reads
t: 2:44
